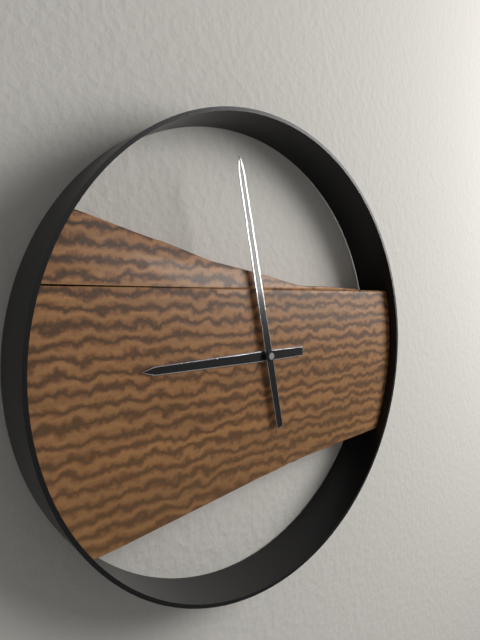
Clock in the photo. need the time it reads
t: 8:58
